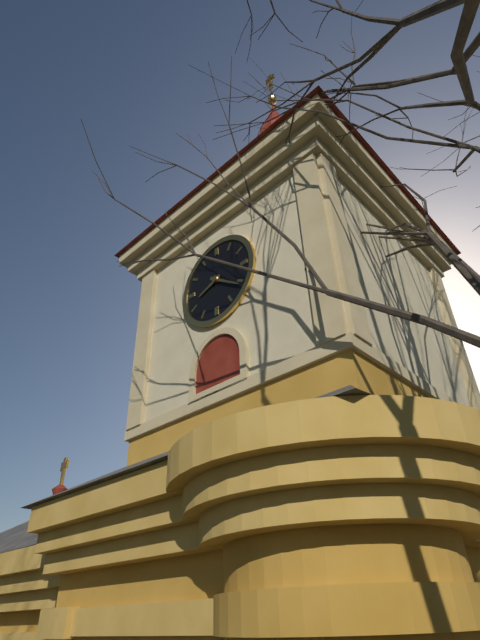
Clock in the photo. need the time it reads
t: 8:21
